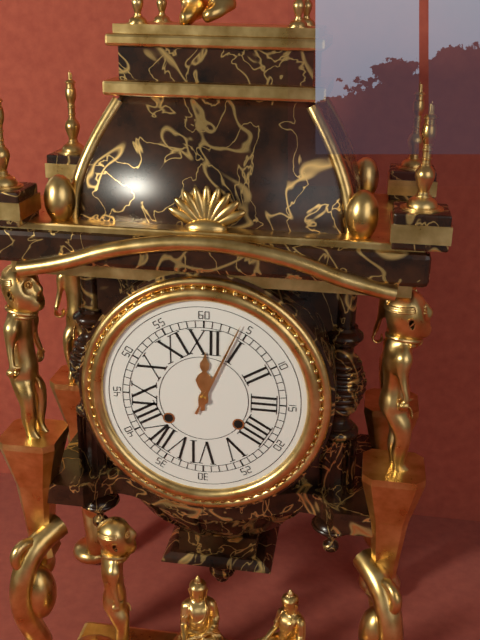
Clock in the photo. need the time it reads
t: 12:04
